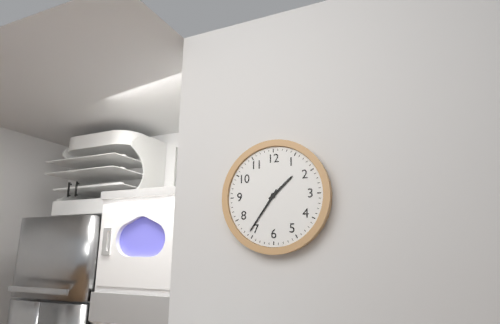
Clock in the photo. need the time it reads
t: 1:36
